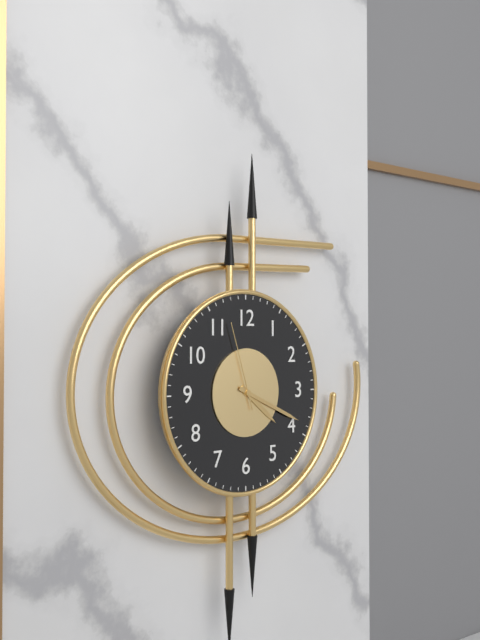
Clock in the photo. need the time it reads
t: 4:19:57
